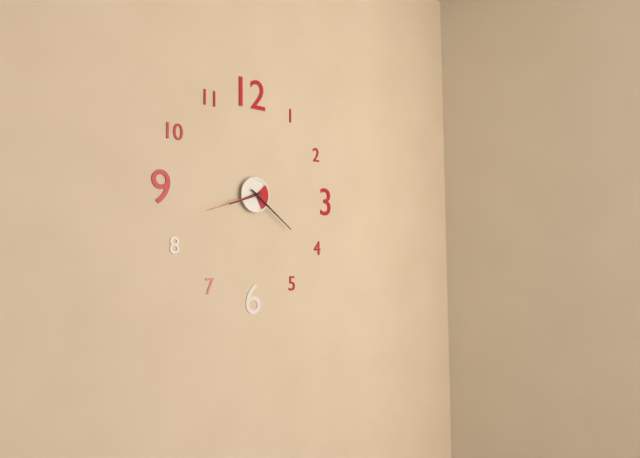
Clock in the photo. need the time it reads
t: 8:21:42
